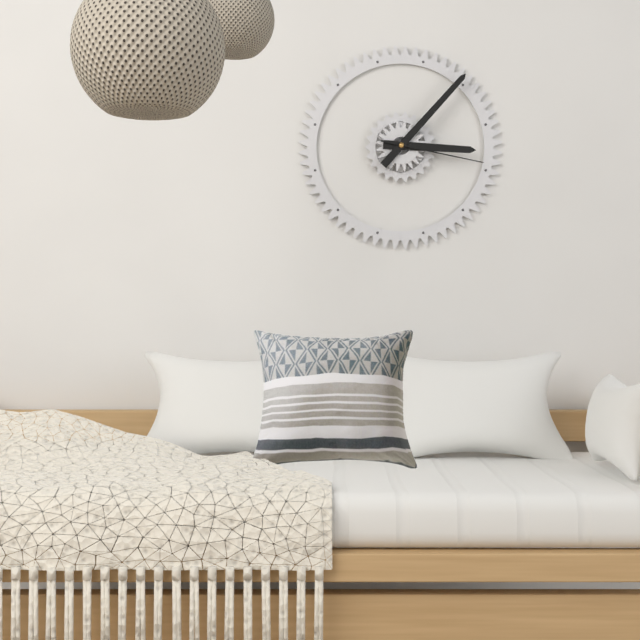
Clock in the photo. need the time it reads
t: 3:07:17
